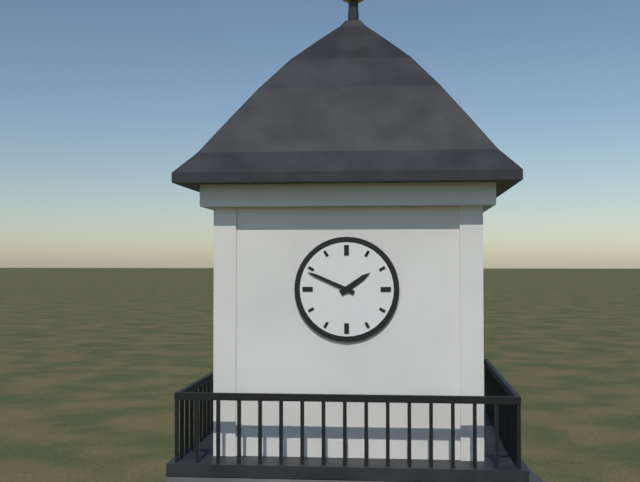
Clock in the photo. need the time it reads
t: 1:49
